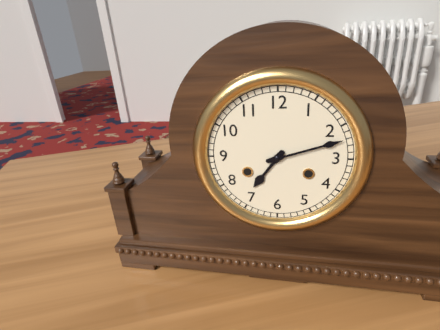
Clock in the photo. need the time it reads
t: 7:12
